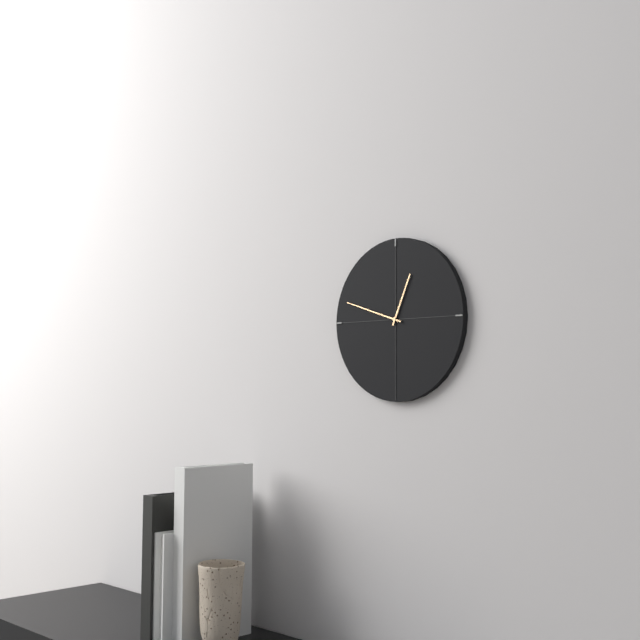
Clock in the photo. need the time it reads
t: 12:48
